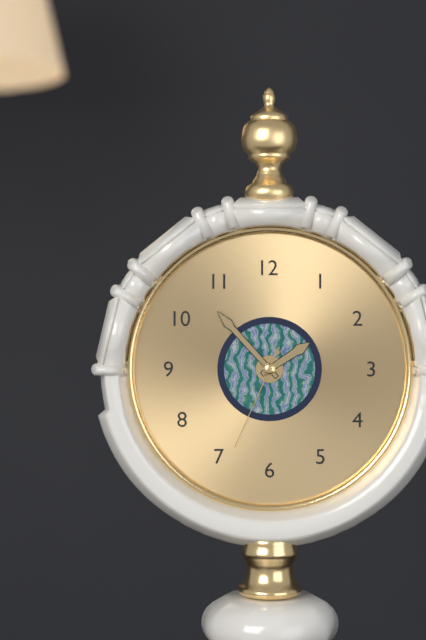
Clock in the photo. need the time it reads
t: 1:53:34
